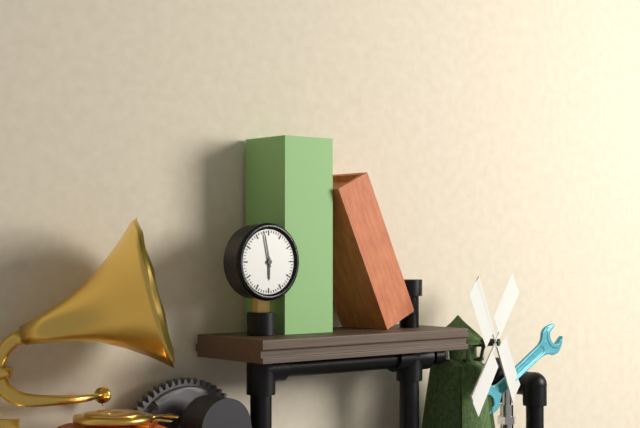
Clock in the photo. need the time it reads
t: 5:58
